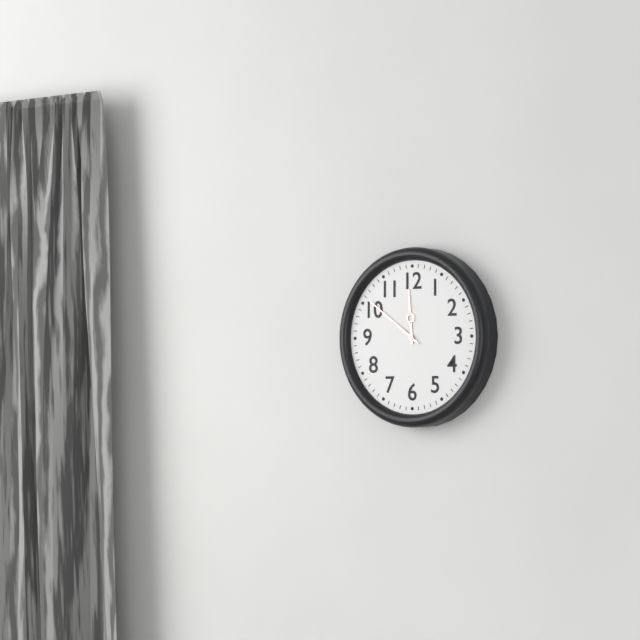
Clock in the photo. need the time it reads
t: 11:51
